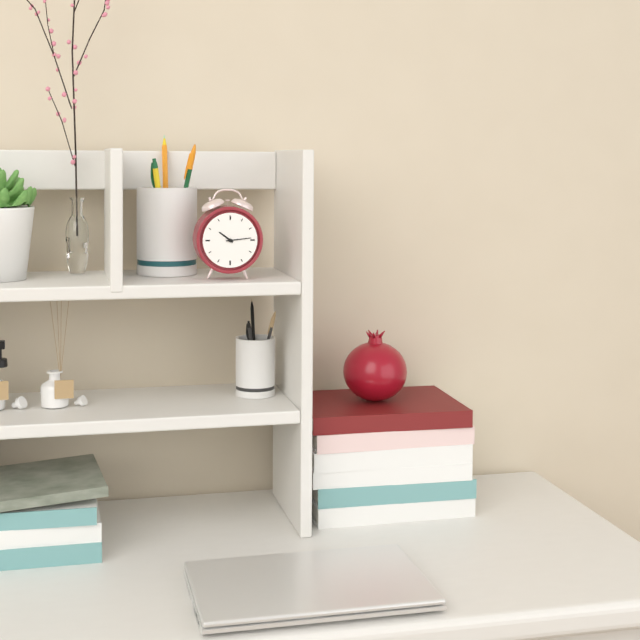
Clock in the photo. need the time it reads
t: 10:14
